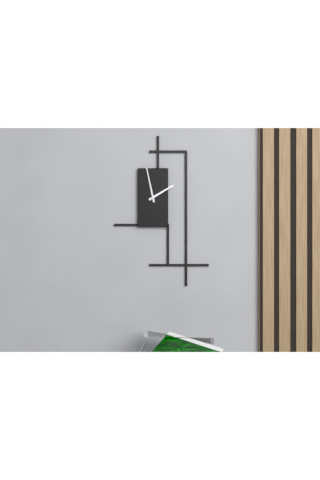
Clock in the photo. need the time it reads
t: 1:58
